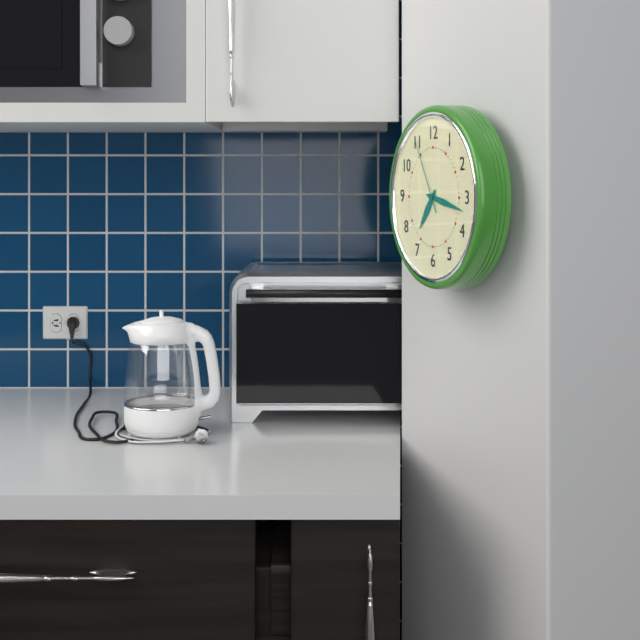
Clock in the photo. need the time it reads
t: 7:17:55
